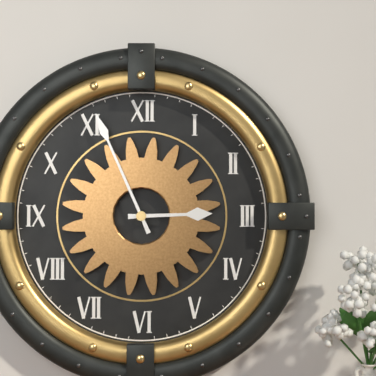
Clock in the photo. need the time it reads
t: 2:56
